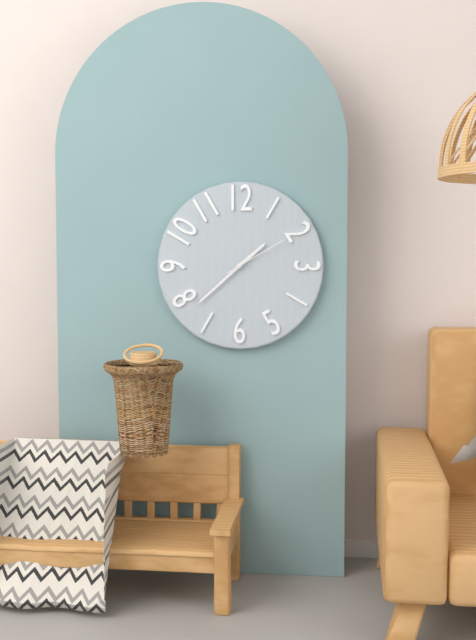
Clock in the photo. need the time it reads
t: 1:38:10
